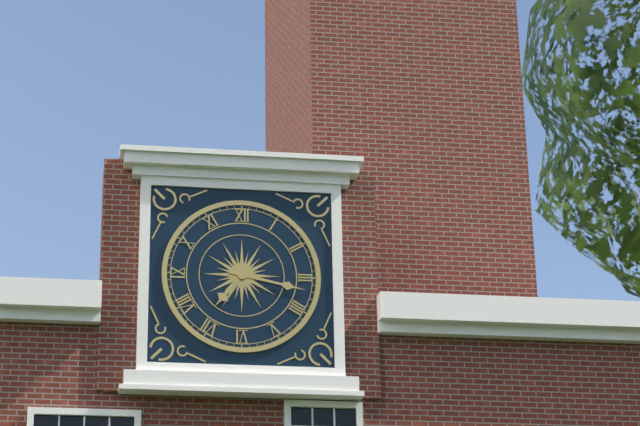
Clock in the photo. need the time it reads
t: 7:17
